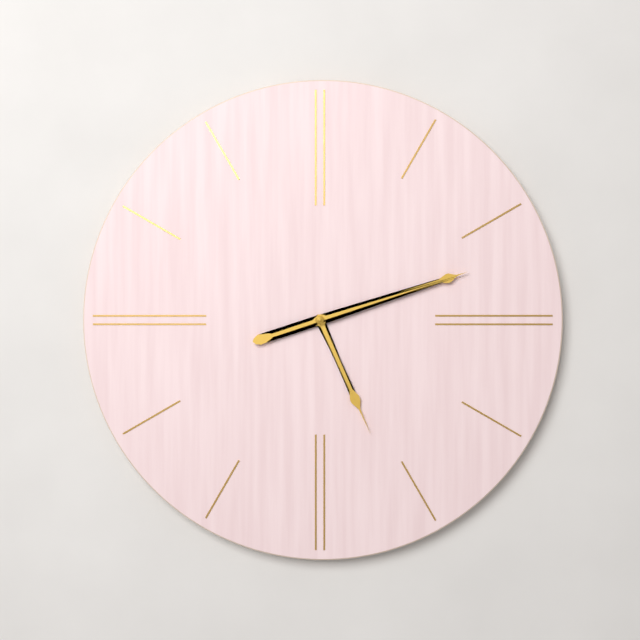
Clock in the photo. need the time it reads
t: 5:12
